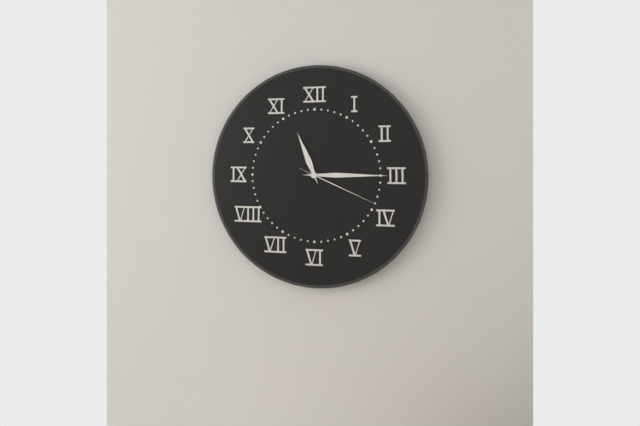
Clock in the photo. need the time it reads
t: 11:15:19
